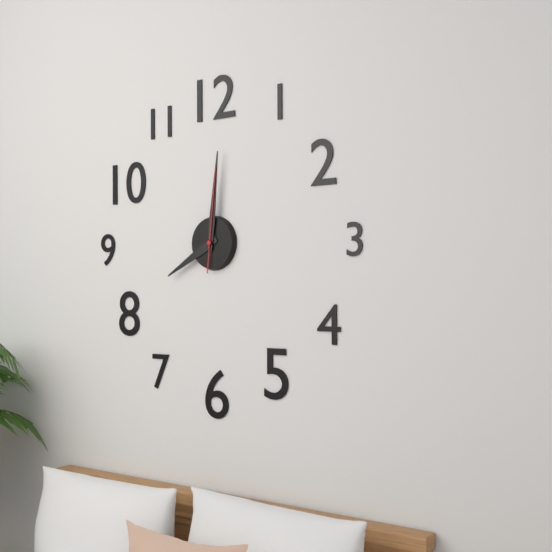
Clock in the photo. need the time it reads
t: 8:01:01
